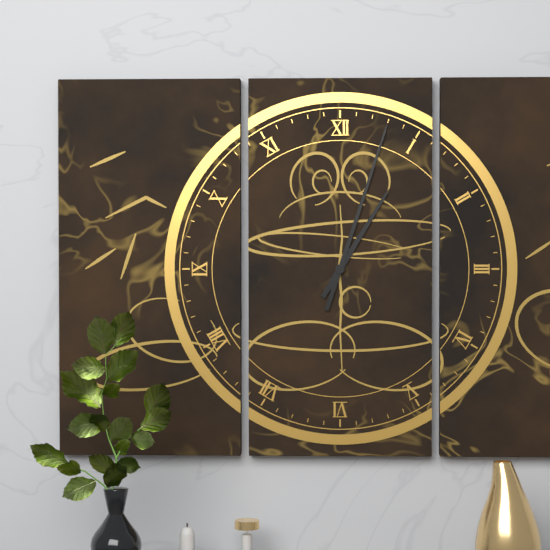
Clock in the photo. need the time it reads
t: 1:03
